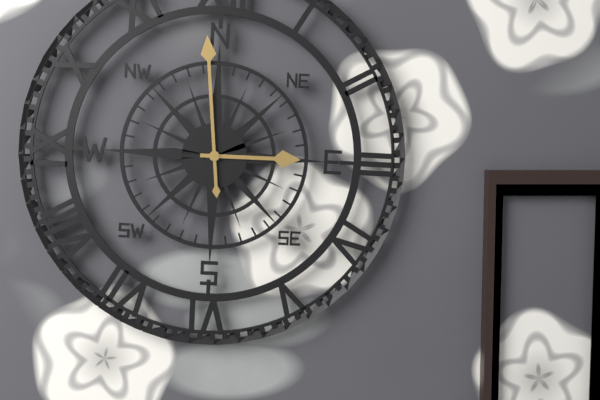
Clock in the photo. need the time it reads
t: 2:59
